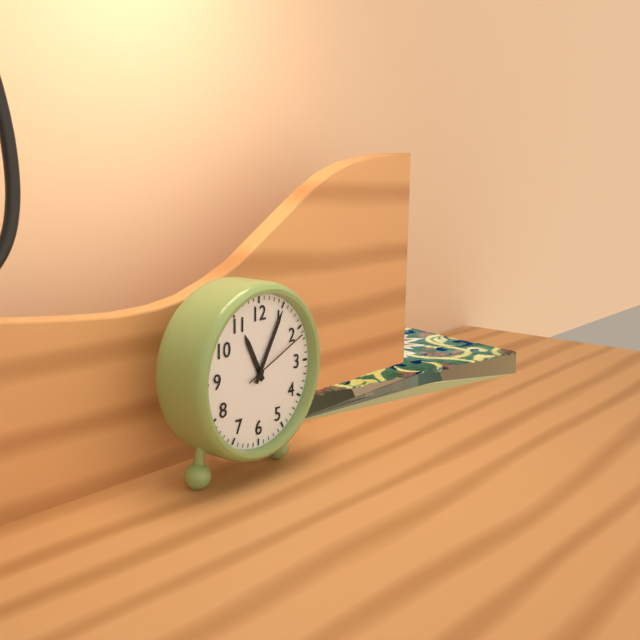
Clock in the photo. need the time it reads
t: 11:05:11
